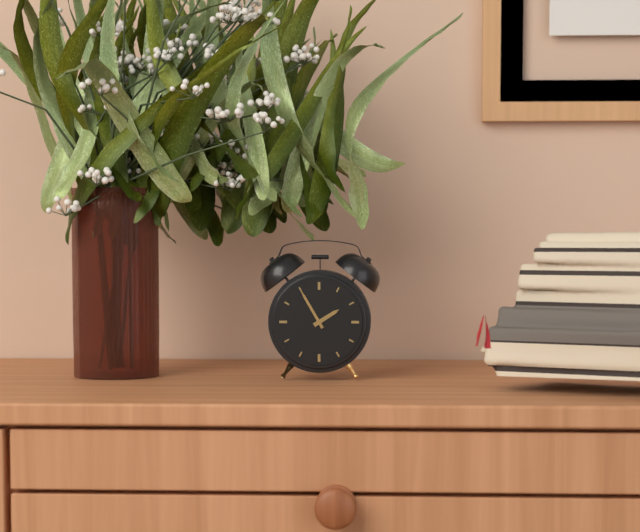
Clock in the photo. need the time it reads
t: 1:55
